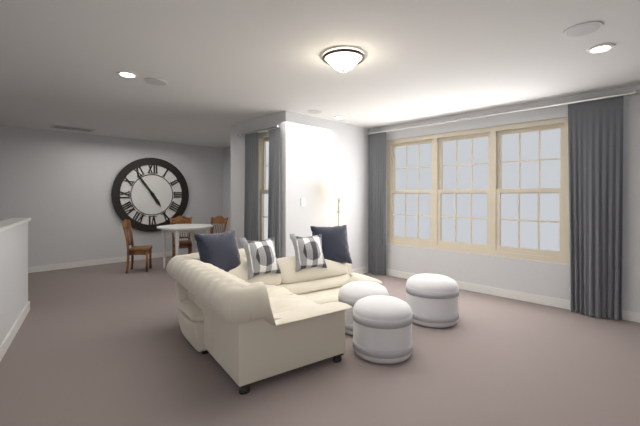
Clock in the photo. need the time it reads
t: 4:54
